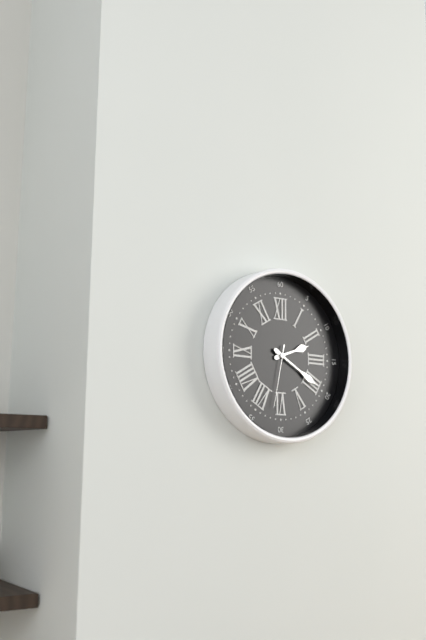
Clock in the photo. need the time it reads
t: 2:20:32
